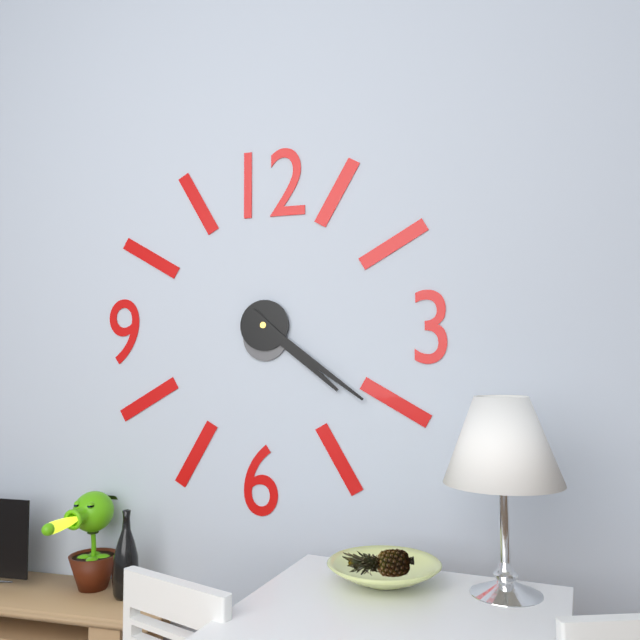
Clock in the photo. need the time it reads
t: 4:21
